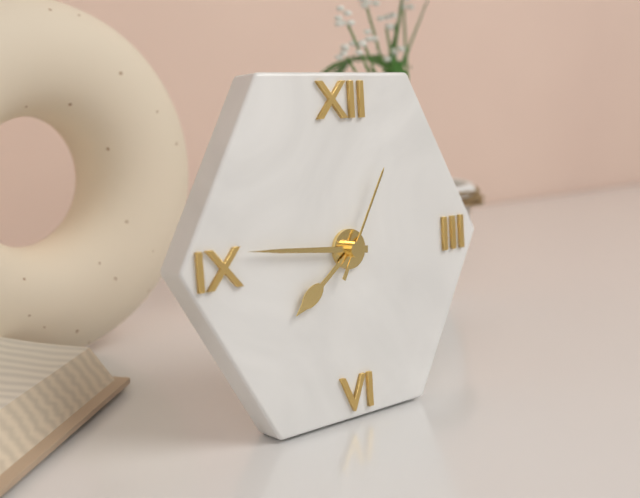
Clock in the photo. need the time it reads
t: 7:46:05
